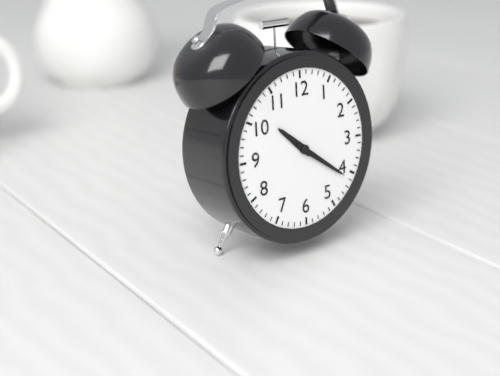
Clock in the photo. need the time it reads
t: 10:21
